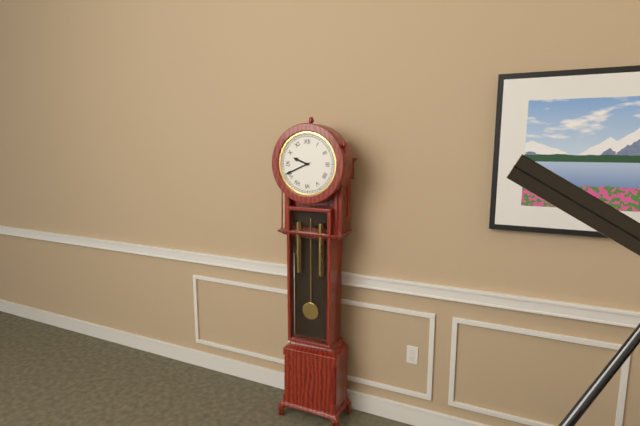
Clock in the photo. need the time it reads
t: 9:41
